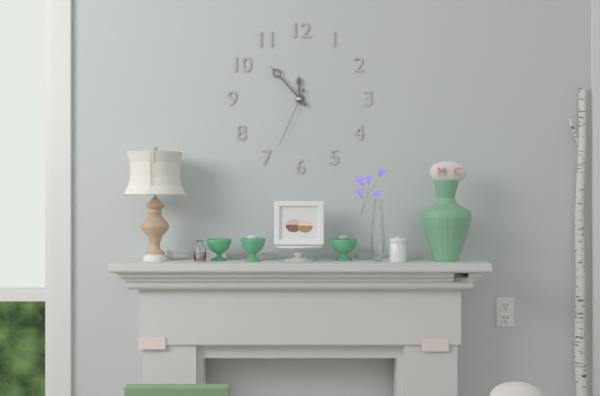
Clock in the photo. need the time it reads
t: 11:53:34
